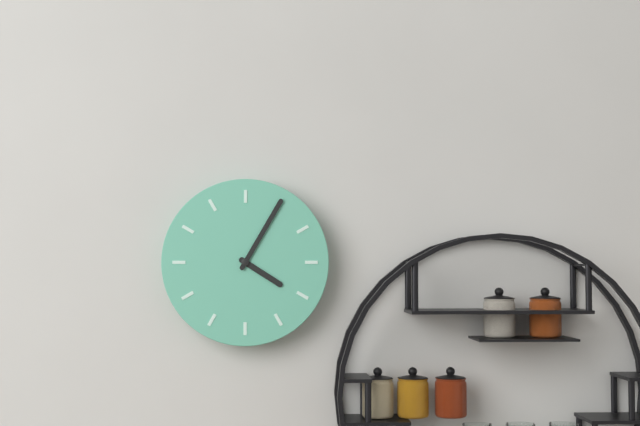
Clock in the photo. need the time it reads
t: 4:05
